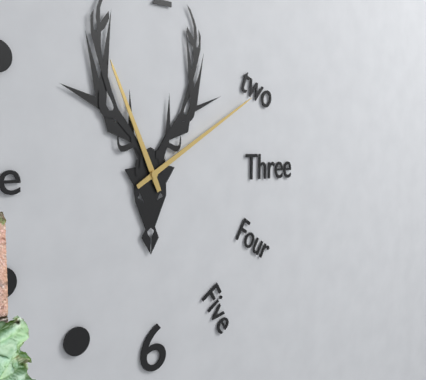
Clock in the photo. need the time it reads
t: 11:10
